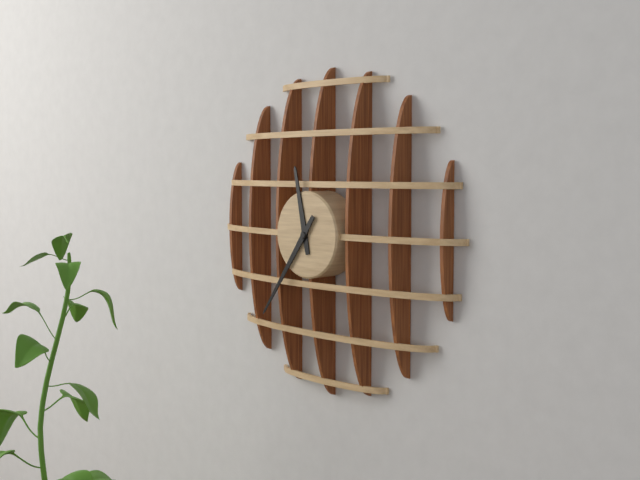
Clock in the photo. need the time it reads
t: 11:36
